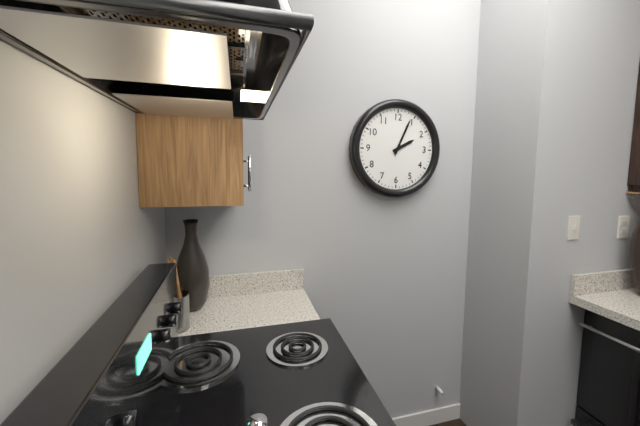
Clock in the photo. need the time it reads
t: 2:04
